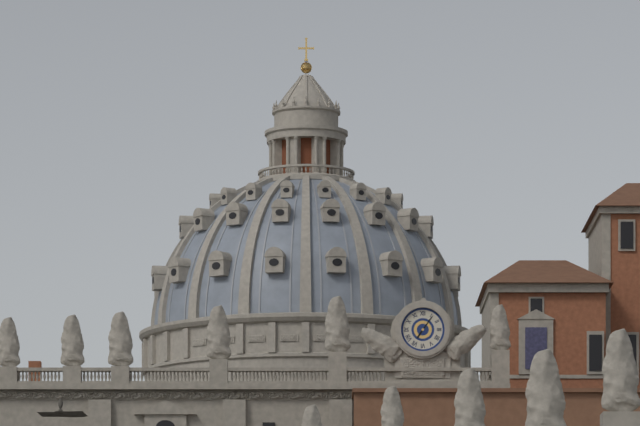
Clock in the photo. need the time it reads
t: 7:06
